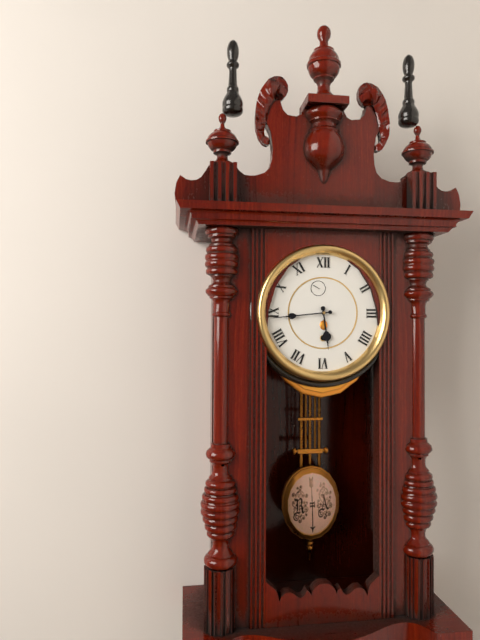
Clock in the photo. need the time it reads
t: 5:44
